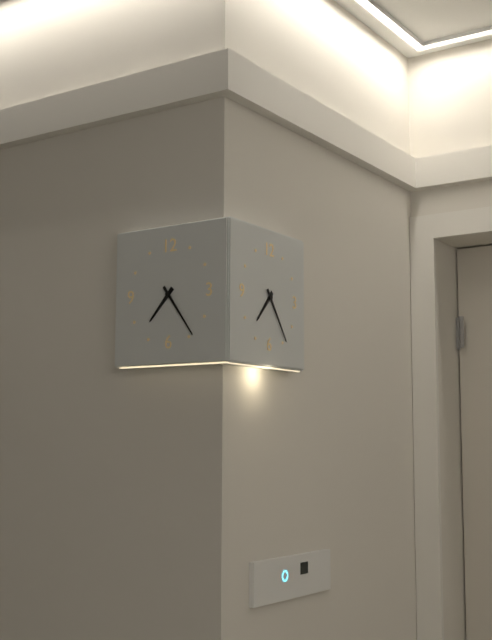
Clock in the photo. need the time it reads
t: 7:24
